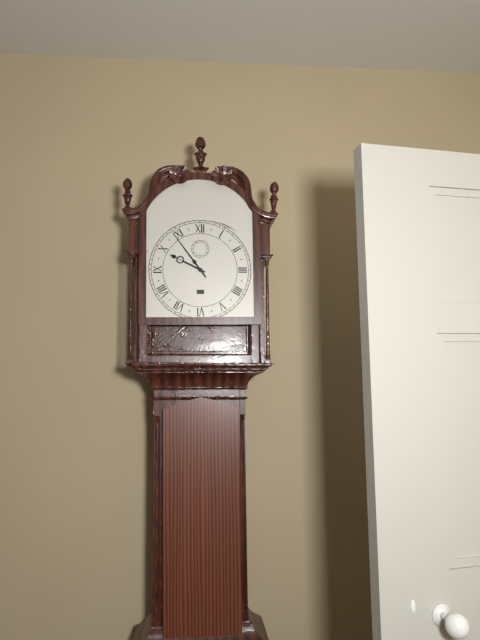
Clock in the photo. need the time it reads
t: 9:54
